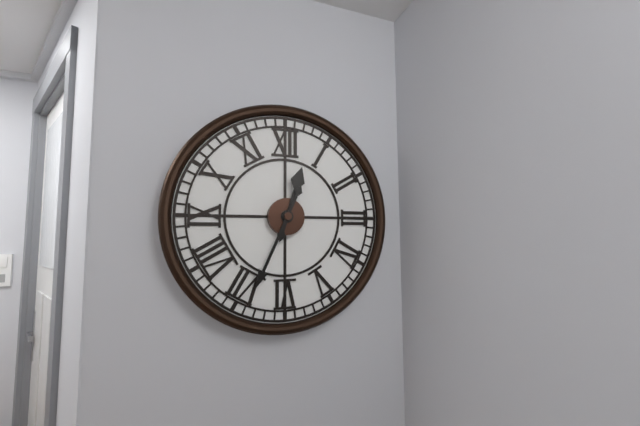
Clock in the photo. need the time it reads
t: 12:34
